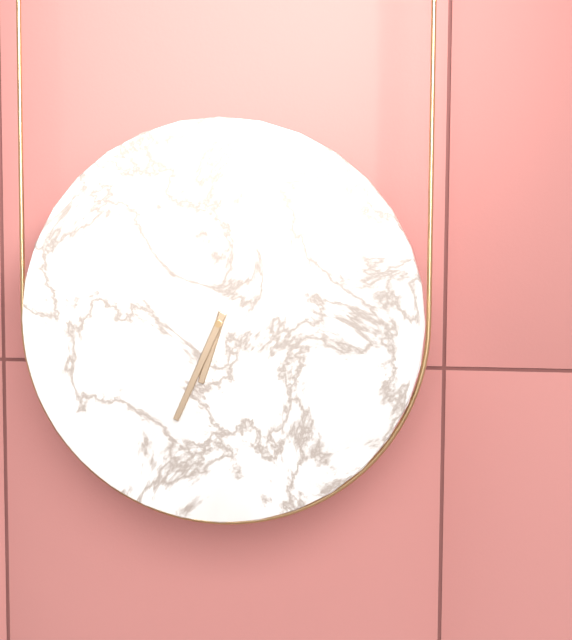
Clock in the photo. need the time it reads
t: 6:34
